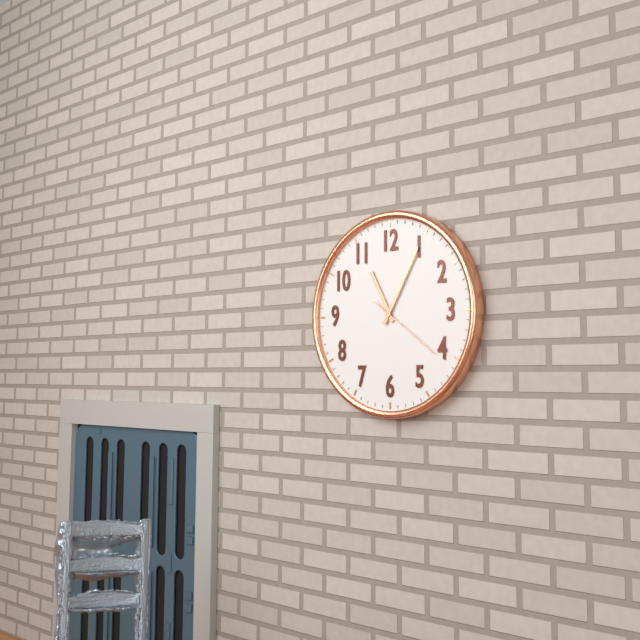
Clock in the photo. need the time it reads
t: 11:05:21
